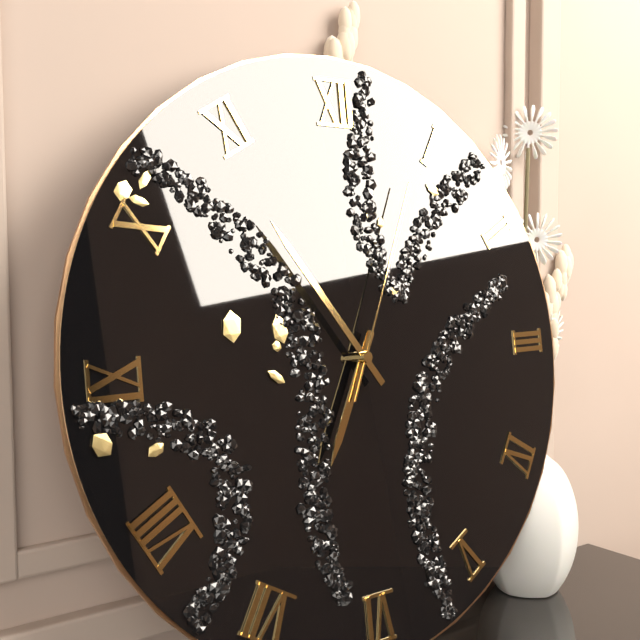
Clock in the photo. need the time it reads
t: 6:54:04
